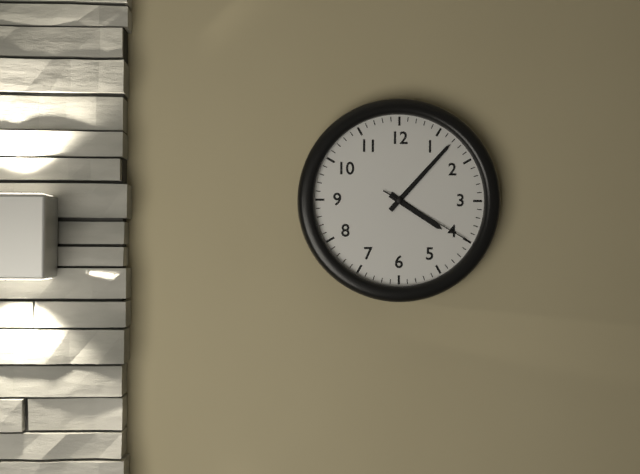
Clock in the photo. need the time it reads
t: 4:07:20
